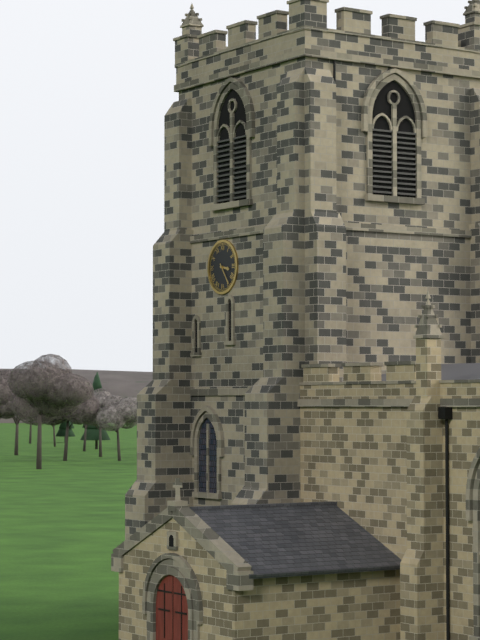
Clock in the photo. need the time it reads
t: 3:24
